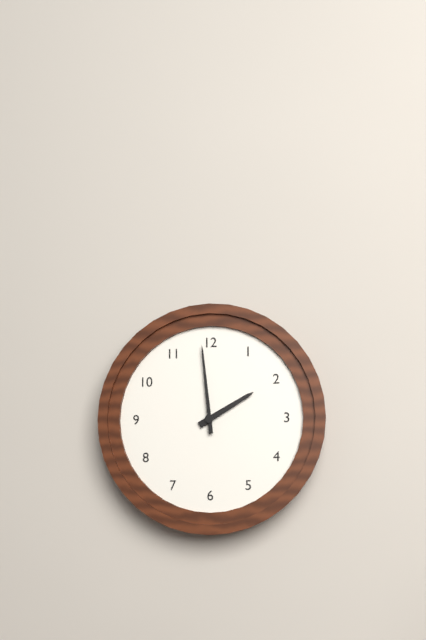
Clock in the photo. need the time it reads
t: 1:59
